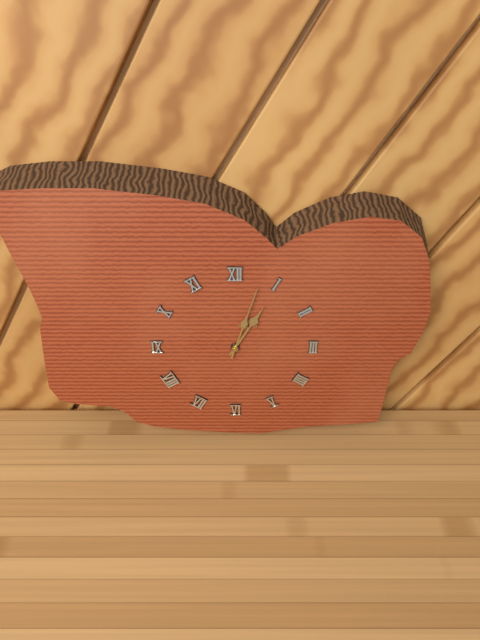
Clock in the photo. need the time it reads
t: 1:03
